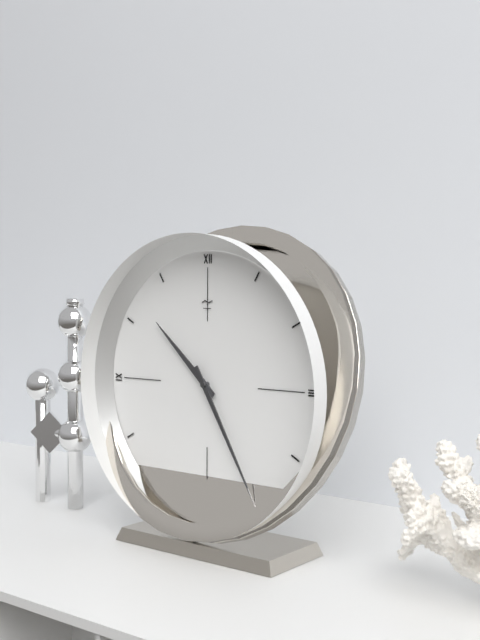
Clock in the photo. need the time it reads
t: 10:25
